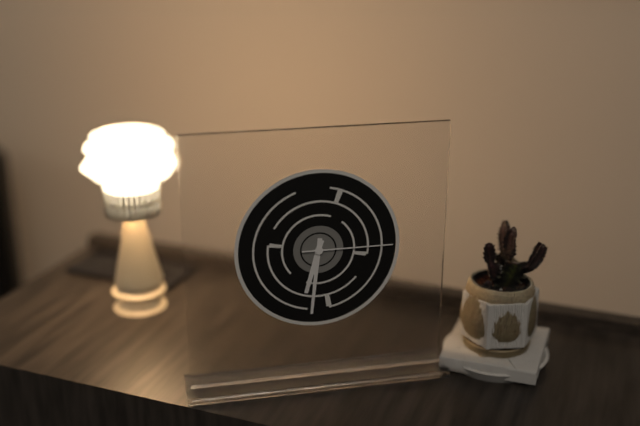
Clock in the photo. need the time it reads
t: 6:31:15
